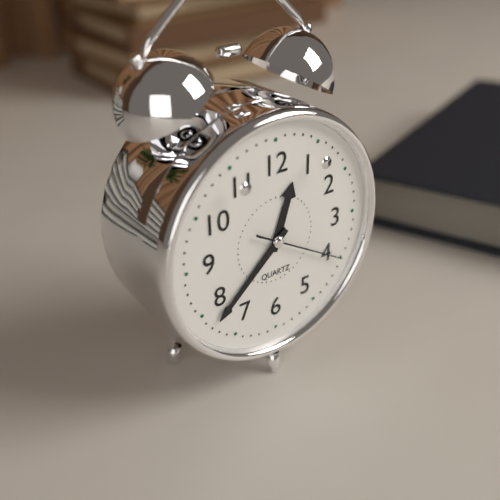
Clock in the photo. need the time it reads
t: 12:38:20
